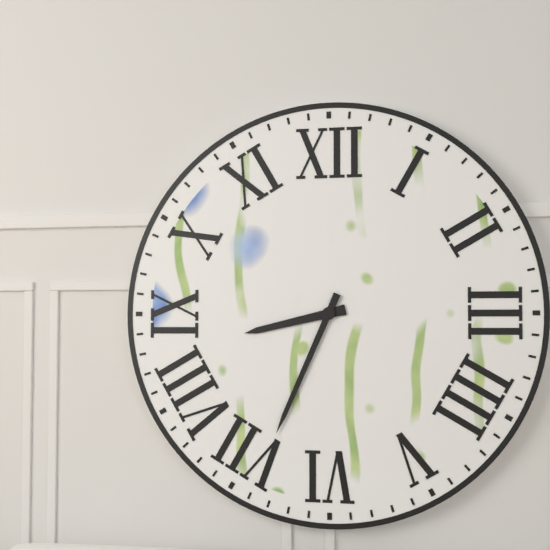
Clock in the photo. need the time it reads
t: 8:34
